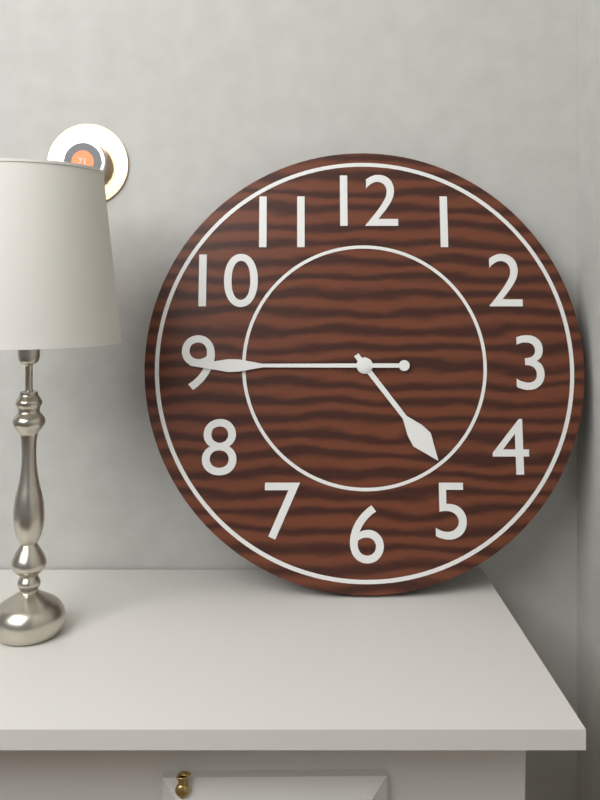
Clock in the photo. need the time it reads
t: 4:45
